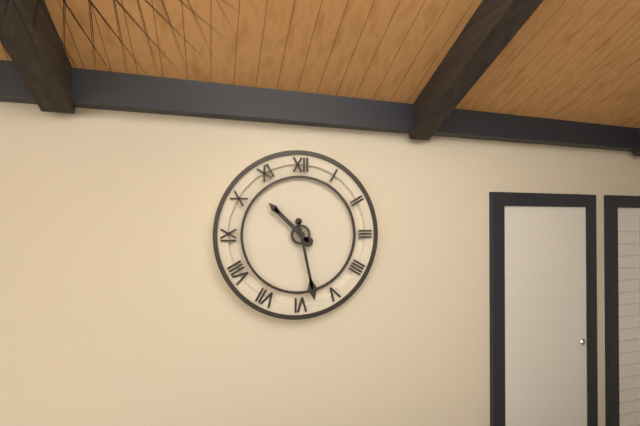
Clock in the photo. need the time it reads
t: 10:28
